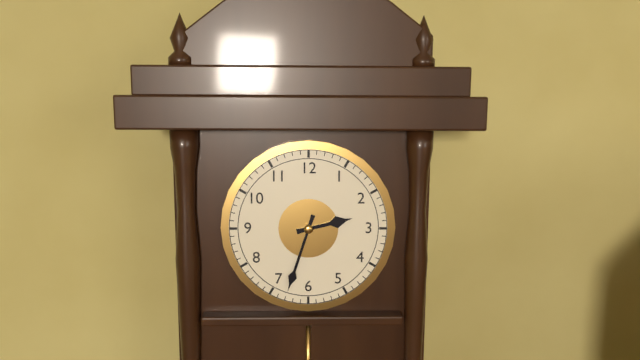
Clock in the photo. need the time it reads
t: 2:33
